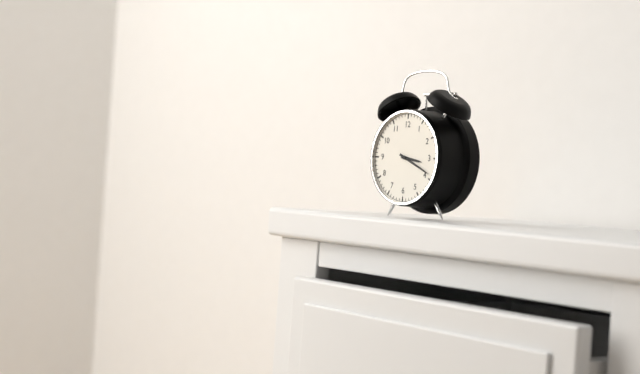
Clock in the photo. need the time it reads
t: 3:19
